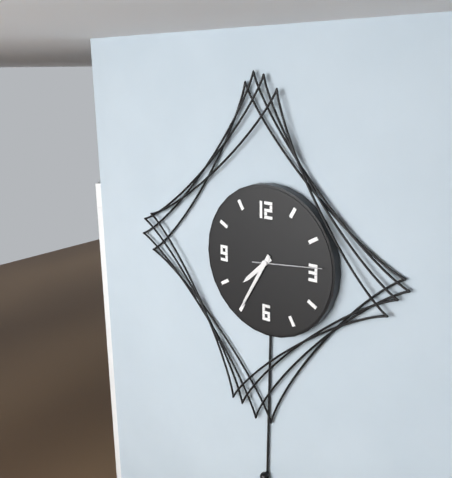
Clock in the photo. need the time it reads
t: 7:35:14
